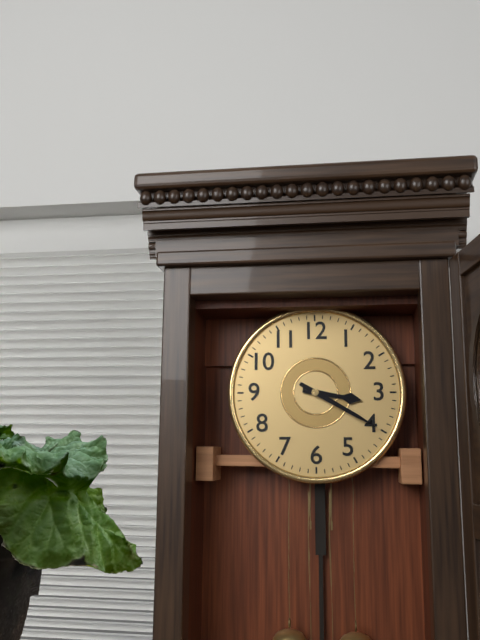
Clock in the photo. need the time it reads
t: 3:20
